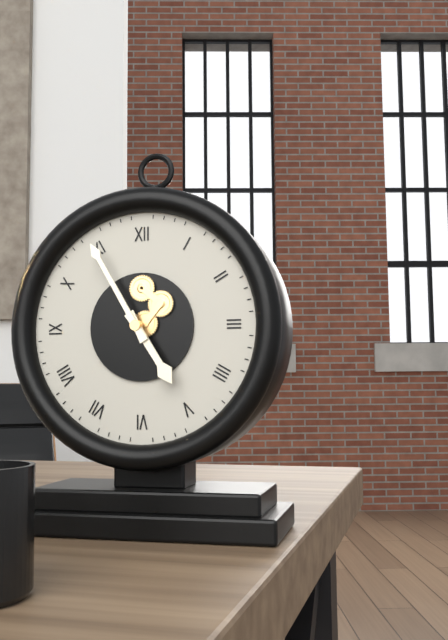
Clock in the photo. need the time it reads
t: 4:55
